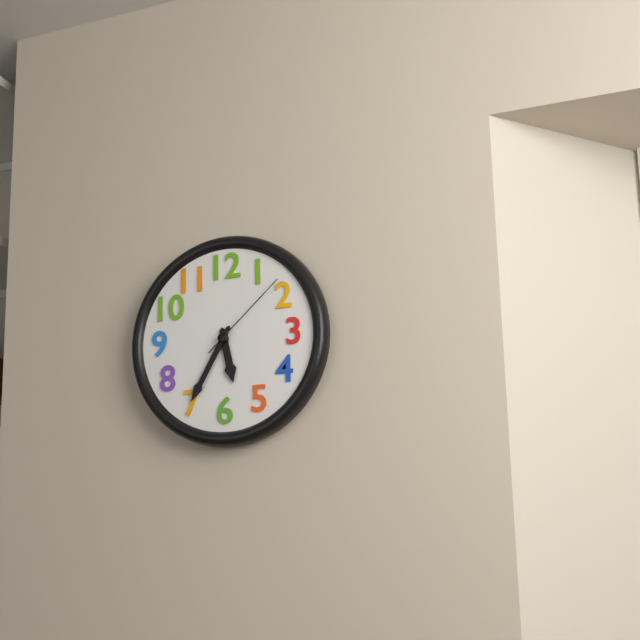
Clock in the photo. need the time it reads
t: 5:35:08
